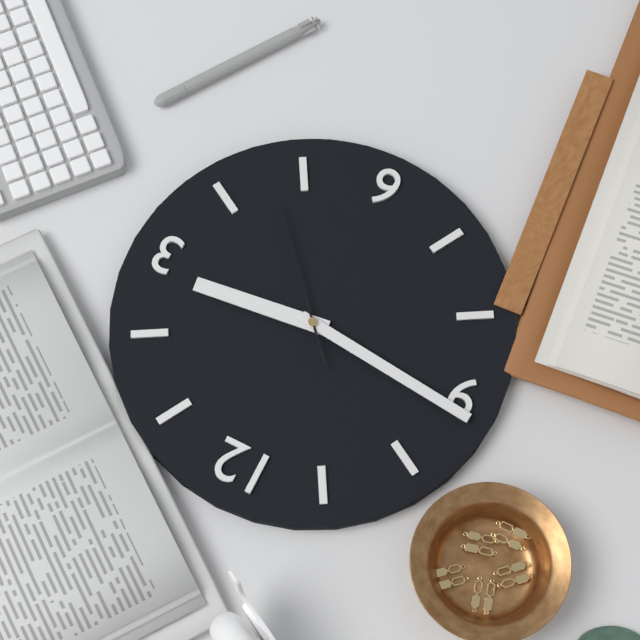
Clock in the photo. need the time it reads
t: 2:46:23
